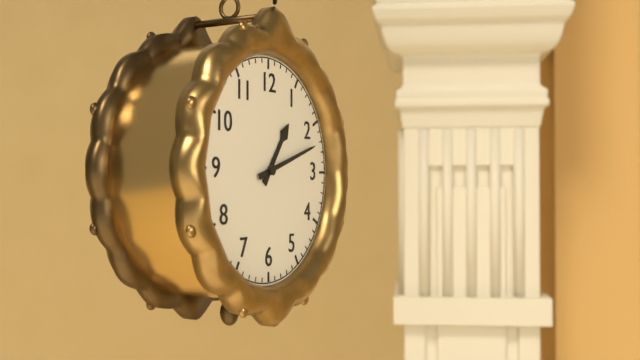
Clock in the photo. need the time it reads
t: 1:12
